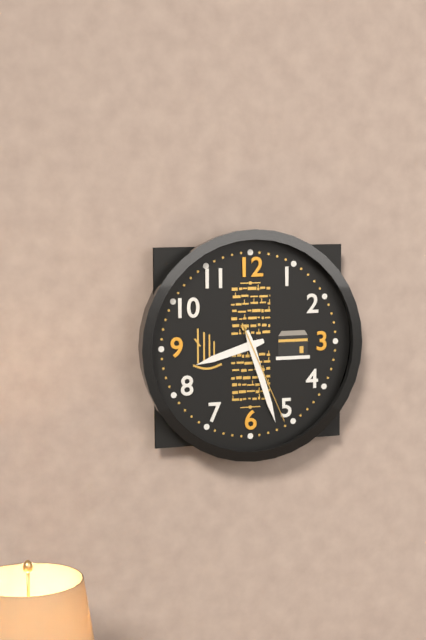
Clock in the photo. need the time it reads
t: 8:27:26
